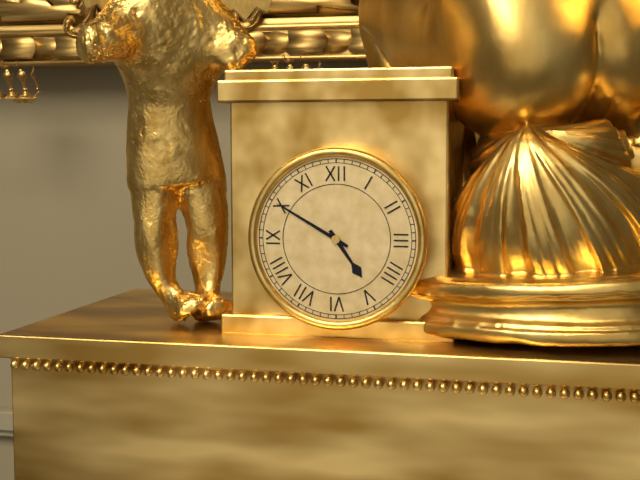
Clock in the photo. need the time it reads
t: 4:50
